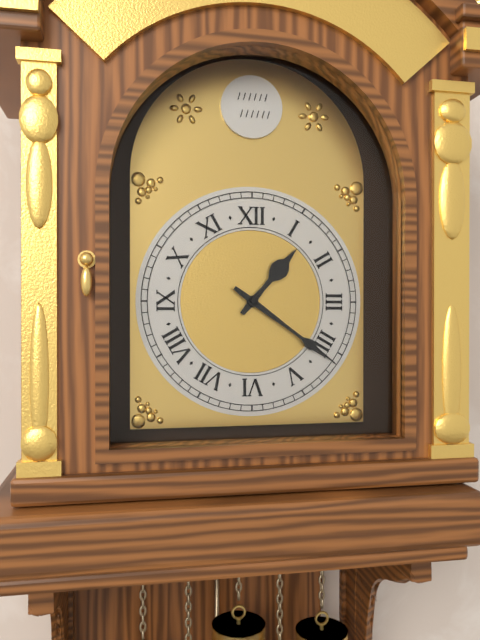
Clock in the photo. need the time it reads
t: 1:21
